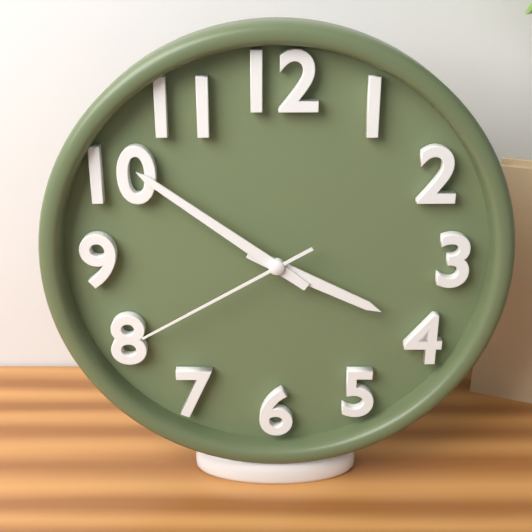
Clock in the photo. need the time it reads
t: 3:51:40
